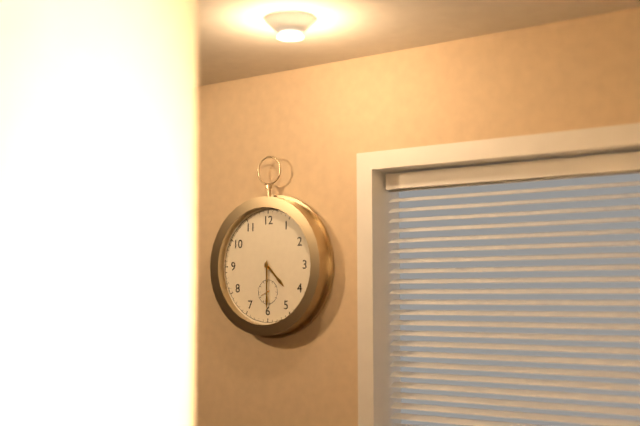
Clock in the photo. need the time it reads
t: 4:30
